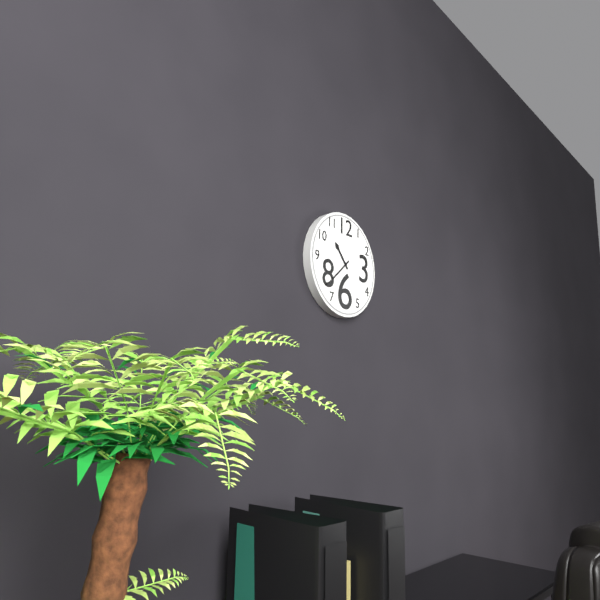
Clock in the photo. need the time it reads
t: 10:38
